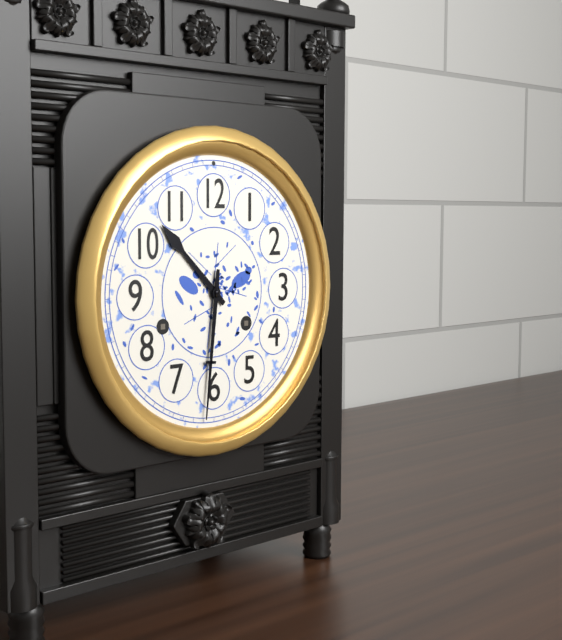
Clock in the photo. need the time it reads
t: 10:31
